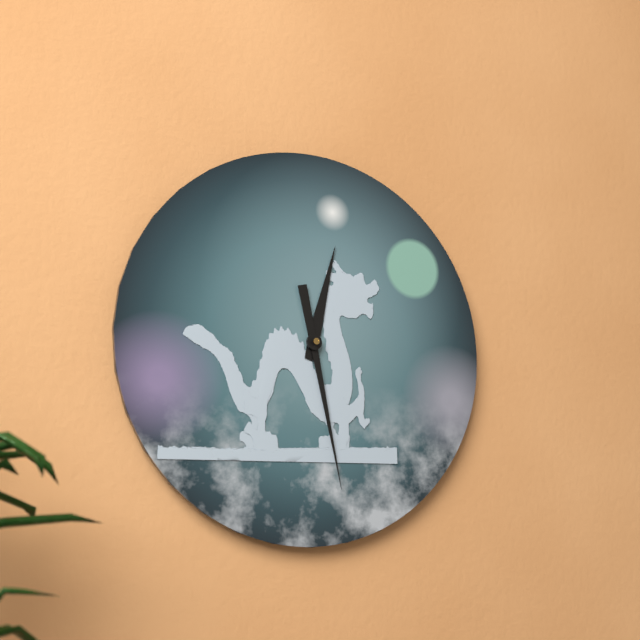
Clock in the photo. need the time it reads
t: 12:28
